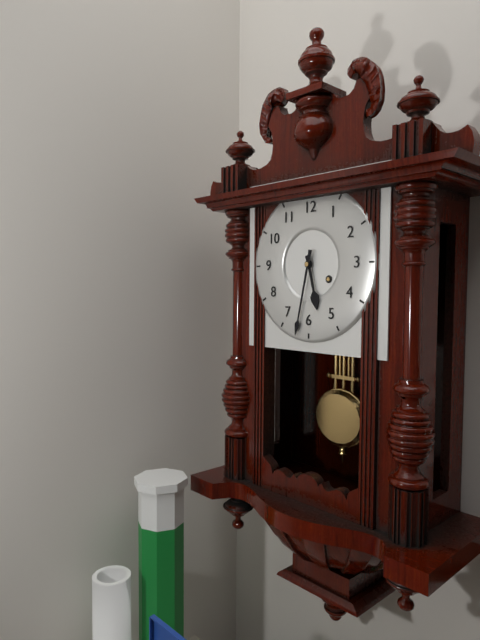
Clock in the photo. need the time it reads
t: 5:32
